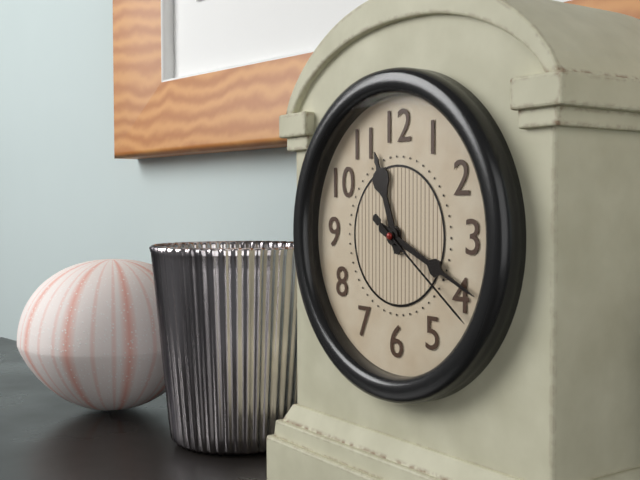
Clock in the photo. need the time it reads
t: 11:19:21
